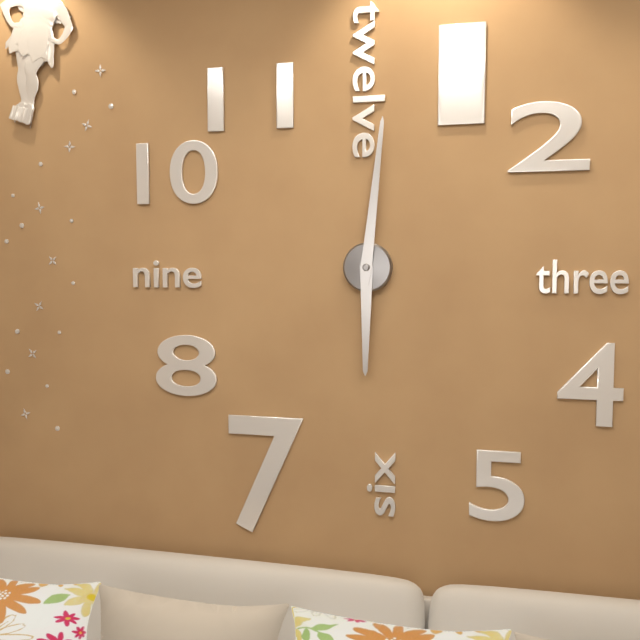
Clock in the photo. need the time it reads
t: 6:01
